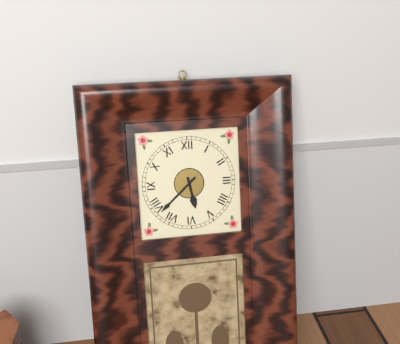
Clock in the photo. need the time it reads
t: 5:38
